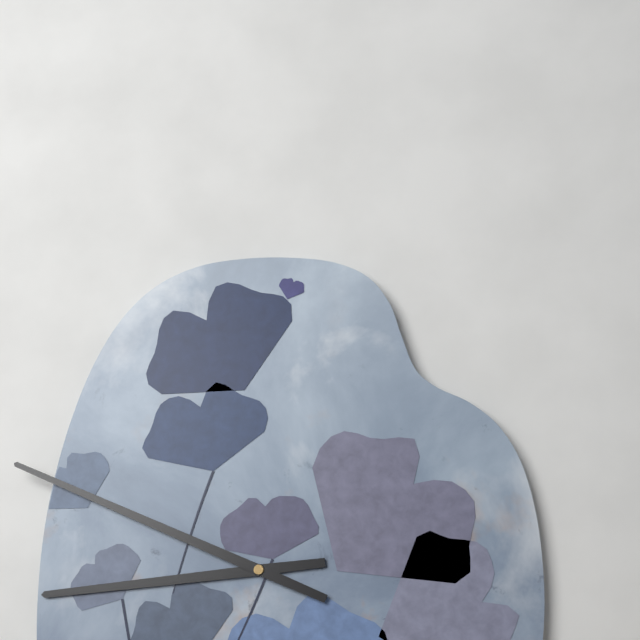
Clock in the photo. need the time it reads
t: 8:49
